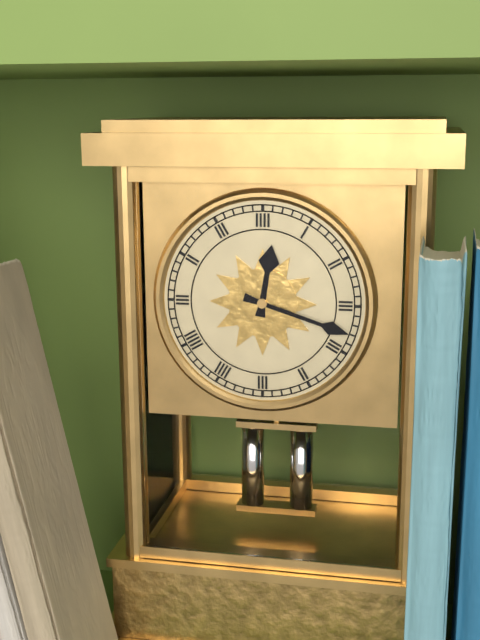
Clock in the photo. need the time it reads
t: 12:18
